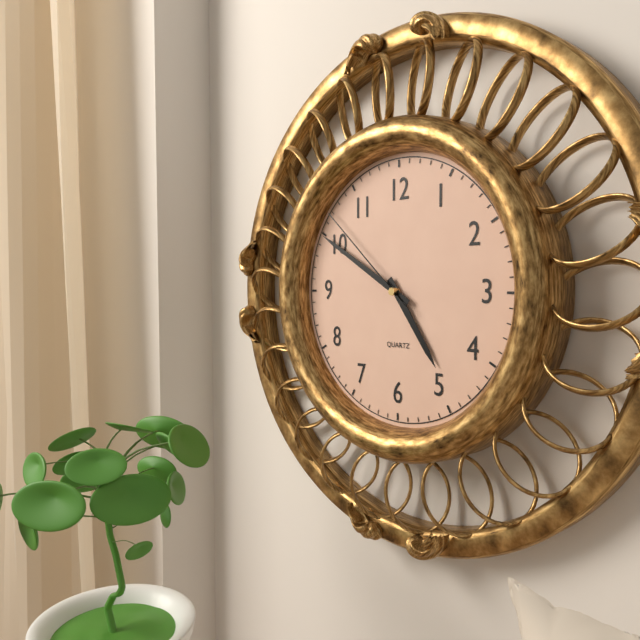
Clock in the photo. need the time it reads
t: 4:50:52
